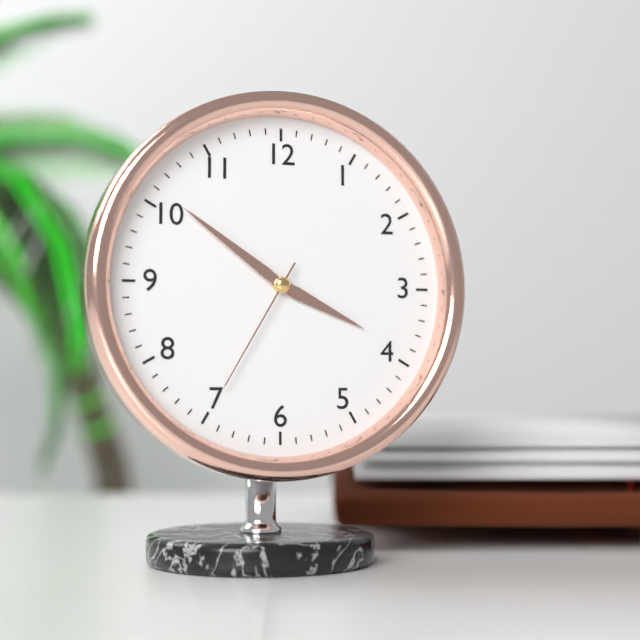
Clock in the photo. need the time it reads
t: 3:51:35
